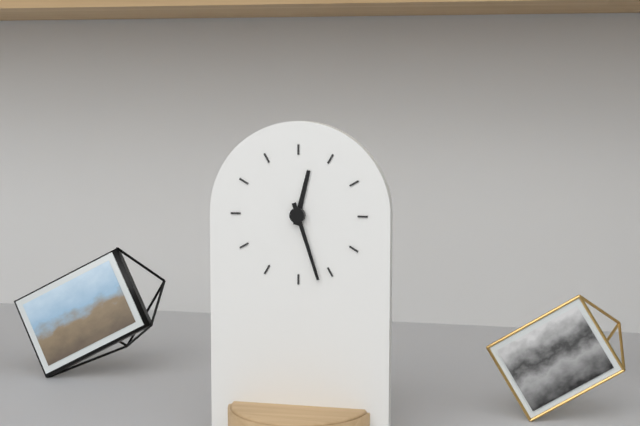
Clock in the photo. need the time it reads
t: 12:27
